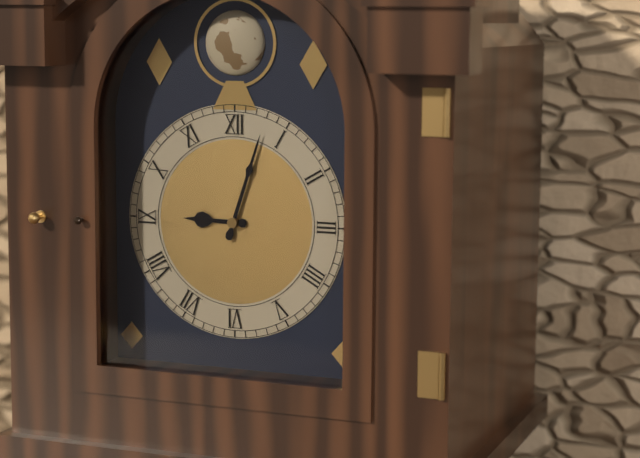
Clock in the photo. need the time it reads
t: 9:03
